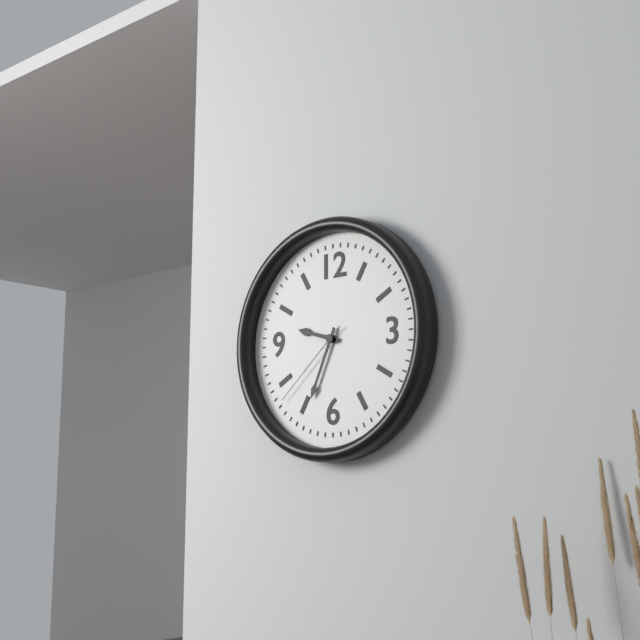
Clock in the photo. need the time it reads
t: 9:34:38
